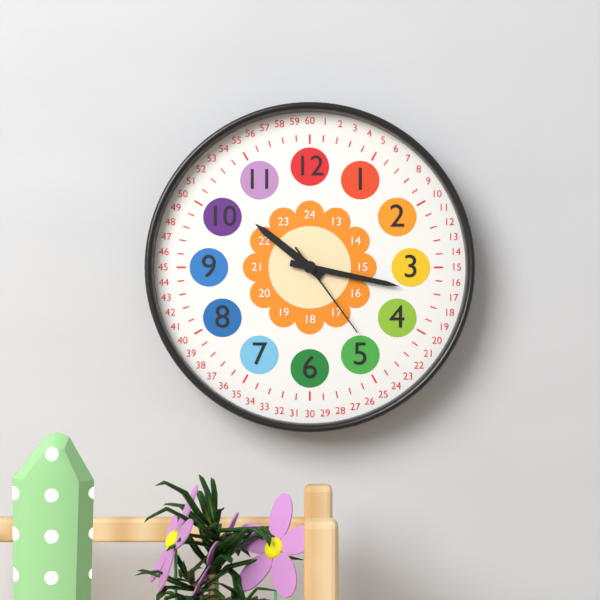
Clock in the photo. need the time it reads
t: 10:17:24
